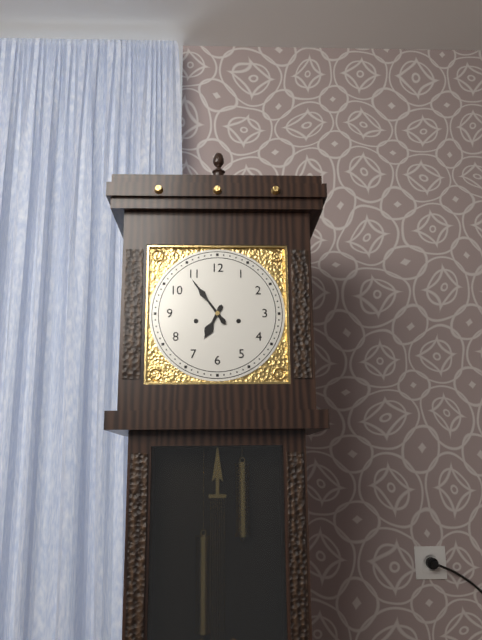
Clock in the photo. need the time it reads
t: 6:54
